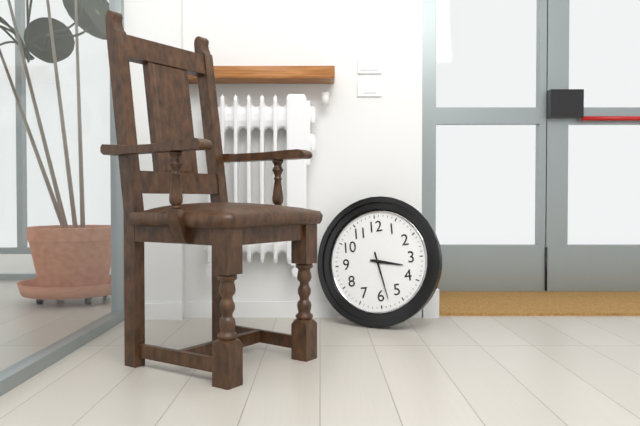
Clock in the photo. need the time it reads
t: 3:28
